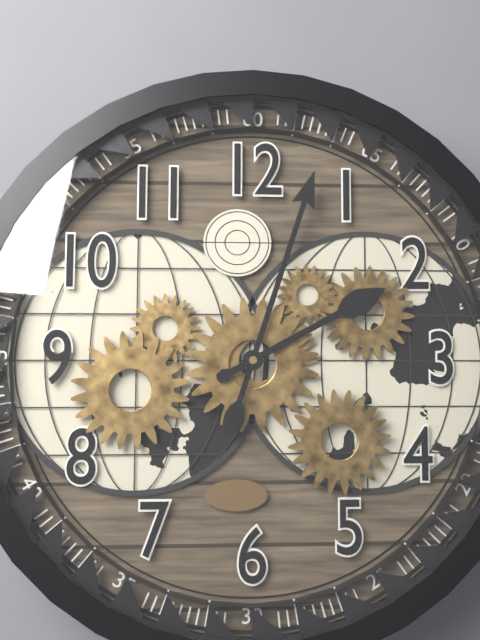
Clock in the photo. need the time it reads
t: 2:03
